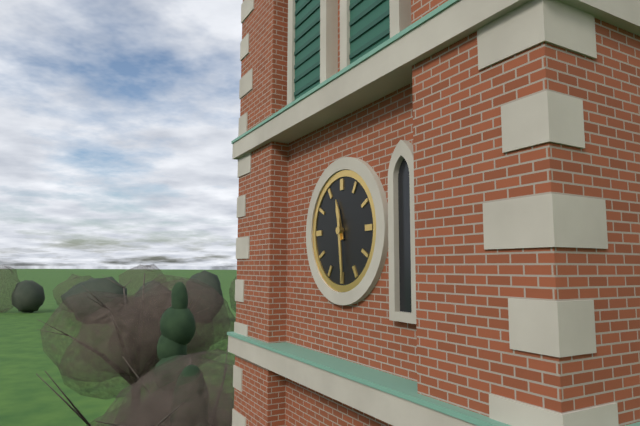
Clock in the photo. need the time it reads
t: 11:29
